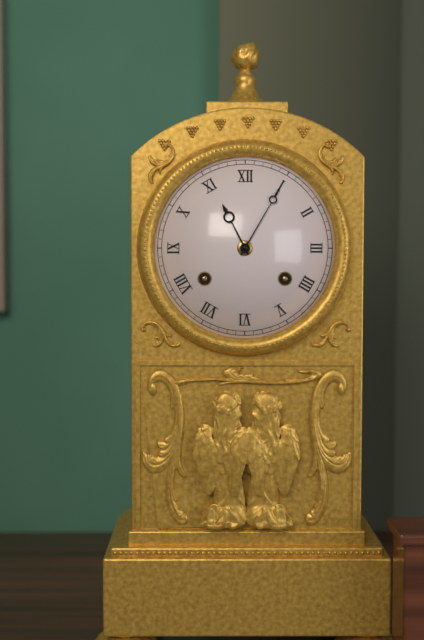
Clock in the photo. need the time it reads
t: 11:05
